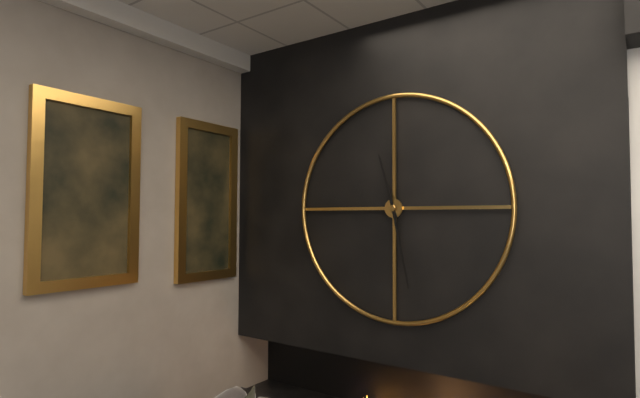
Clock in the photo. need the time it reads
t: 11:28
